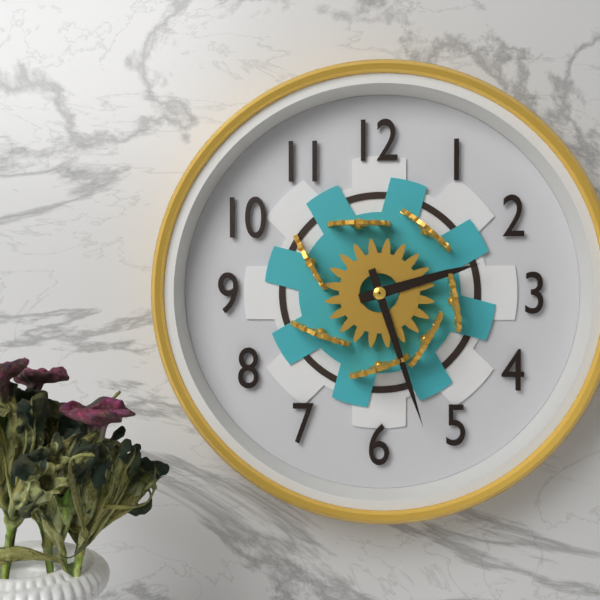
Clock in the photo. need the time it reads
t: 2:27
